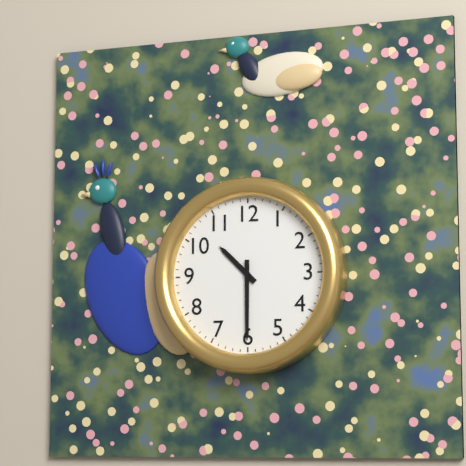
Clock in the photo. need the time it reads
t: 10:30
